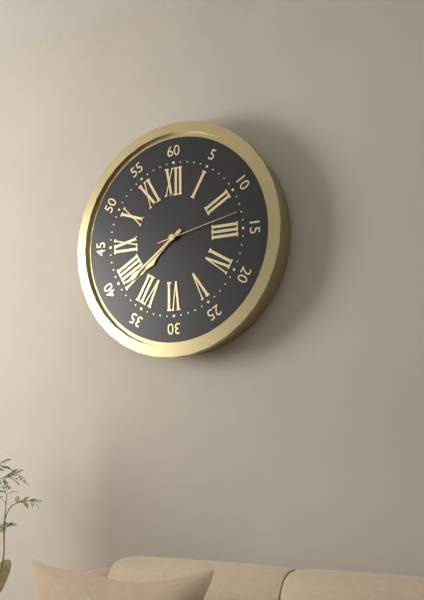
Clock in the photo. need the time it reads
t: 7:39:13
